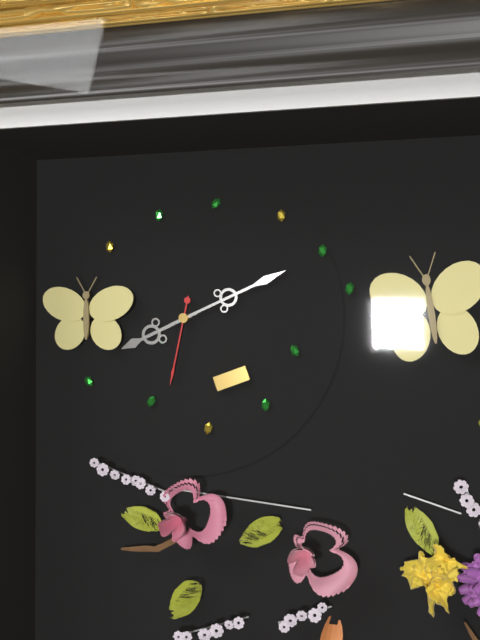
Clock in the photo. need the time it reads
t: 8:11:32
